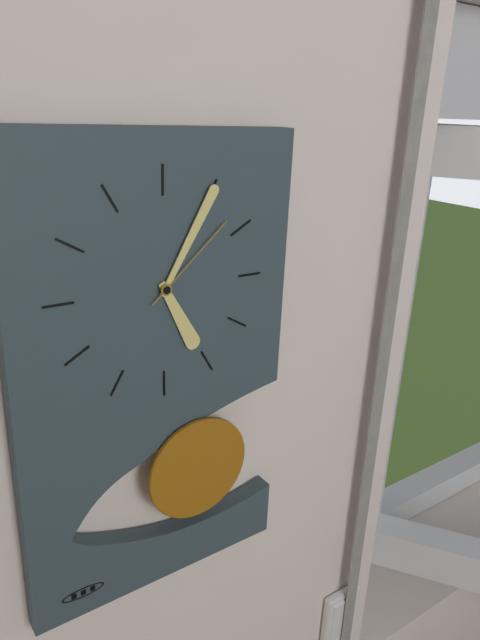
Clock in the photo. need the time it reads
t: 5:05:08
